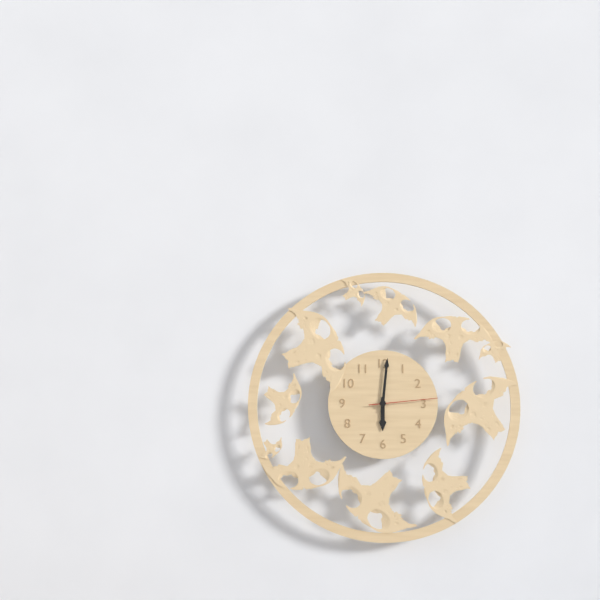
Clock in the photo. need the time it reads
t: 6:01:14
